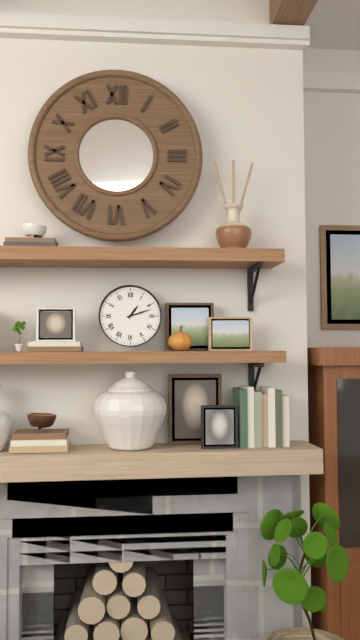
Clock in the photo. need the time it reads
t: 1:12
